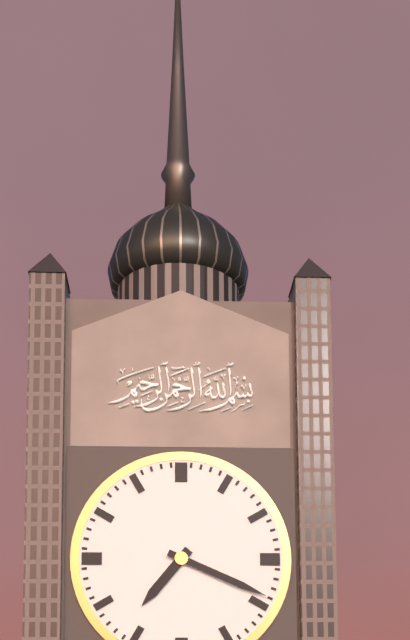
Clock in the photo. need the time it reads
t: 7:19
